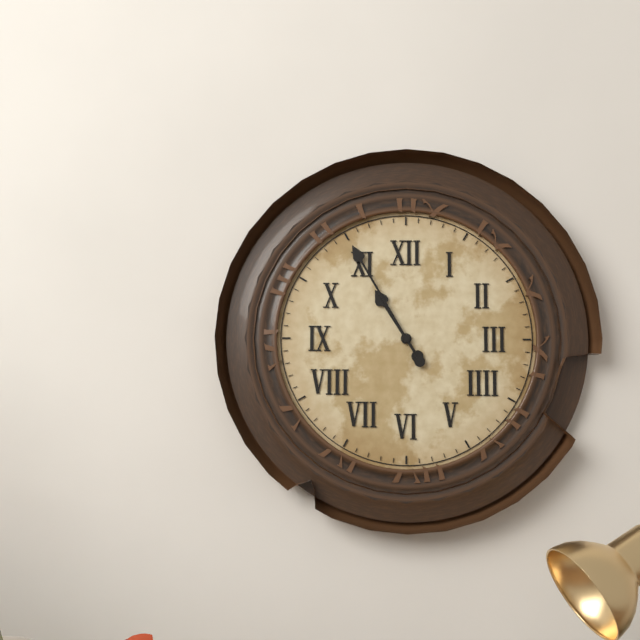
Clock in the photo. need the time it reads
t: 10:55
